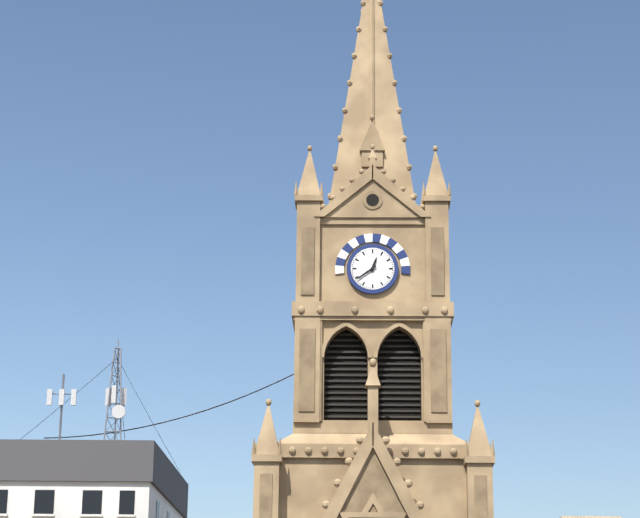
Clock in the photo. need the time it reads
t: 12:39
